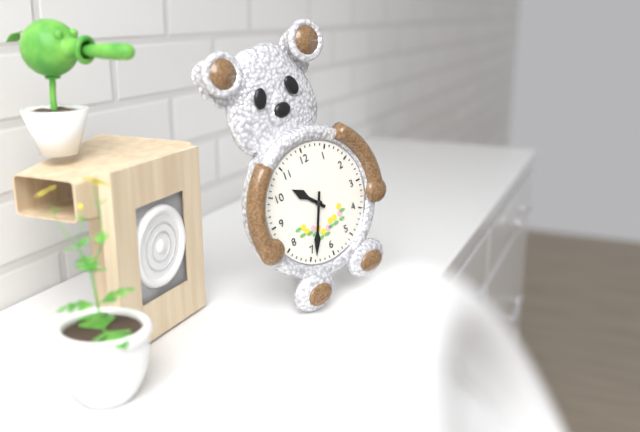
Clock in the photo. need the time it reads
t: 10:34
